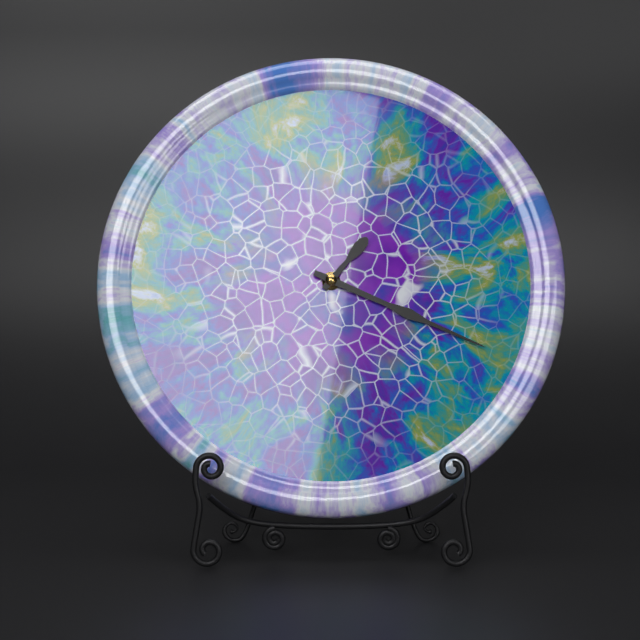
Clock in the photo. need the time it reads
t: 1:19
